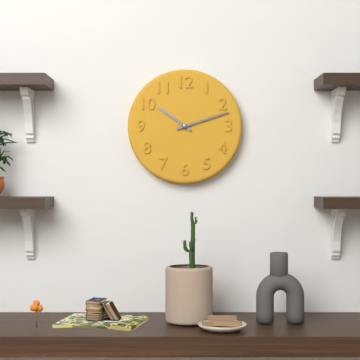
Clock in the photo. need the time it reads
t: 10:12
